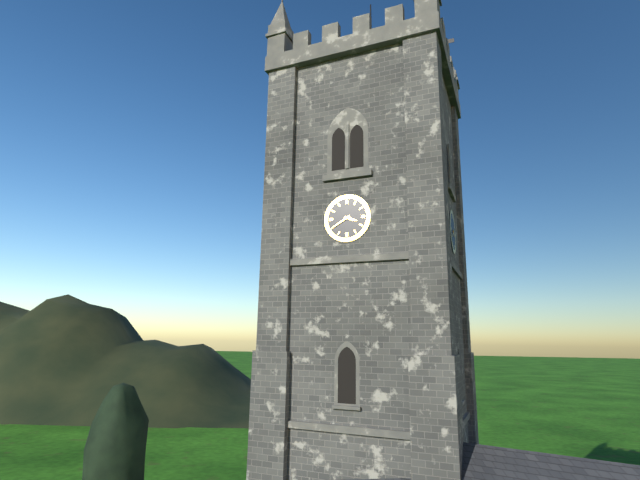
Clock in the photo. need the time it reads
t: 3:40
